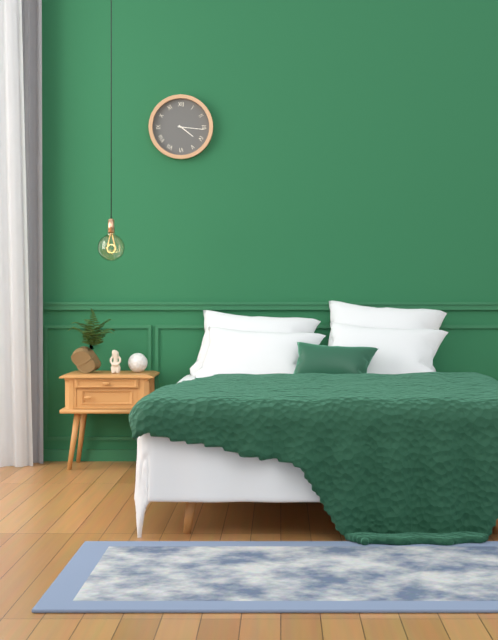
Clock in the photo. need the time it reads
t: 4:16
